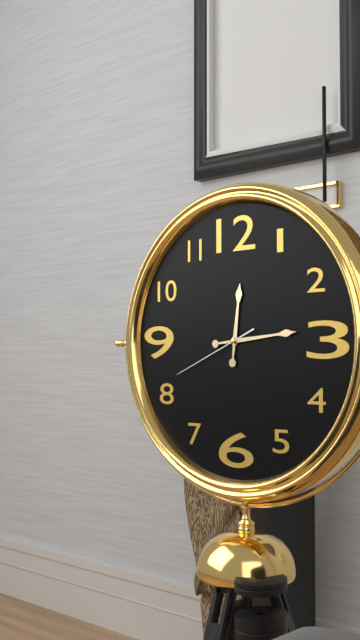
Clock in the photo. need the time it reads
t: 12:14:41
